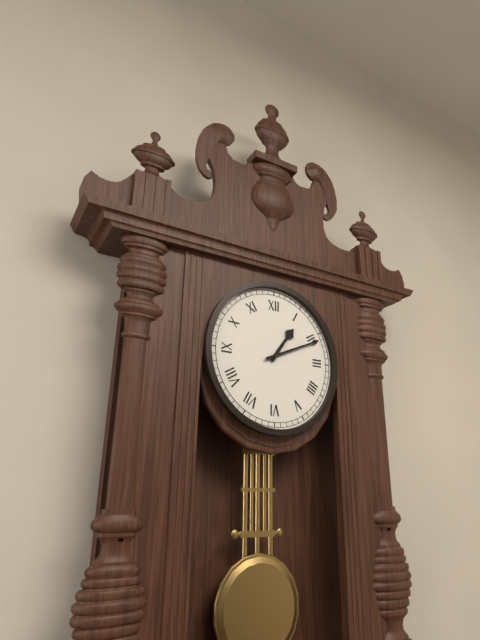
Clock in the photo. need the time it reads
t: 1:11
